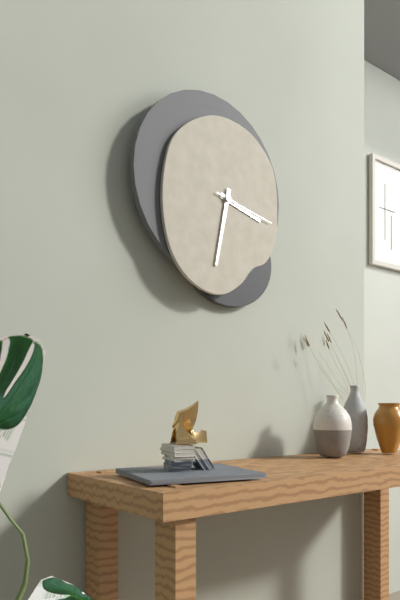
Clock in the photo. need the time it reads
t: 3:32:17
